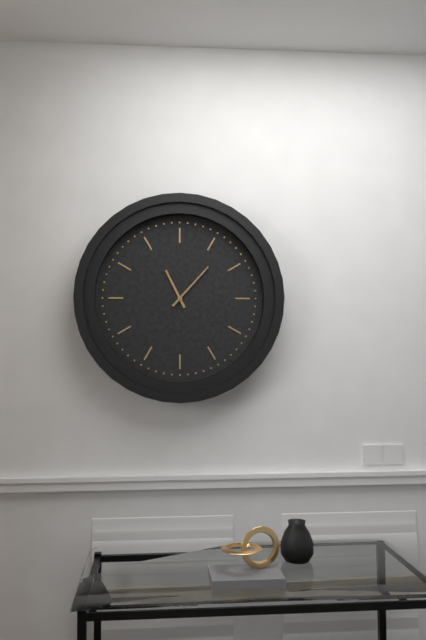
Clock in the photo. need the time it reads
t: 11:07
